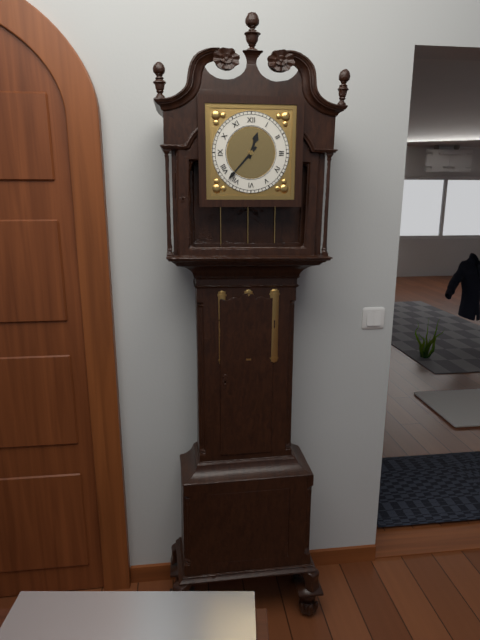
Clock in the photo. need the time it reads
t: 12:37
